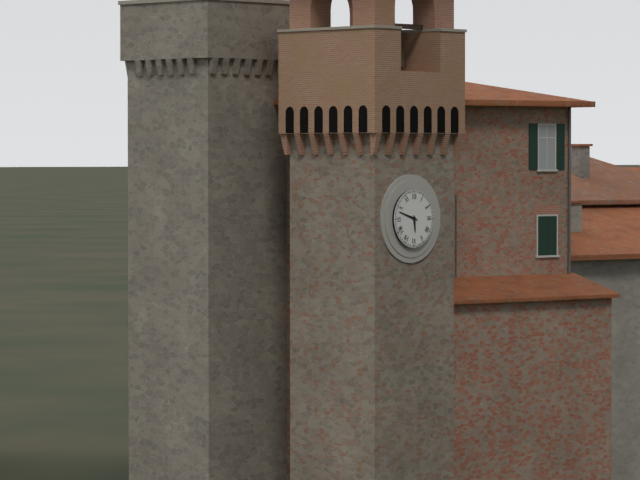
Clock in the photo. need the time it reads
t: 5:48
